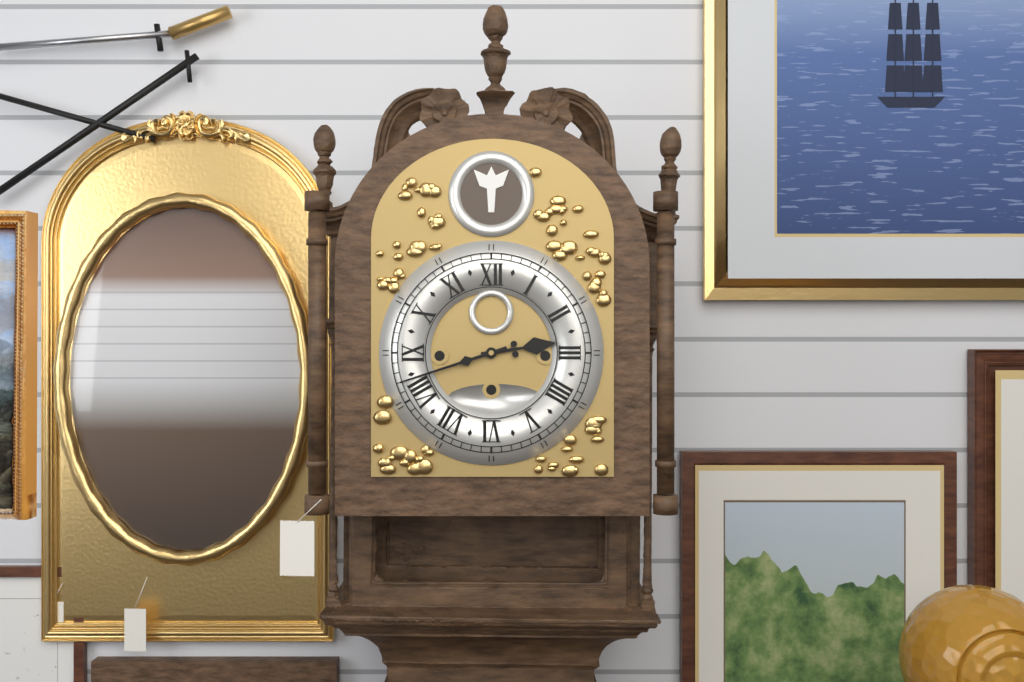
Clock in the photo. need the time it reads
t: 2:42
